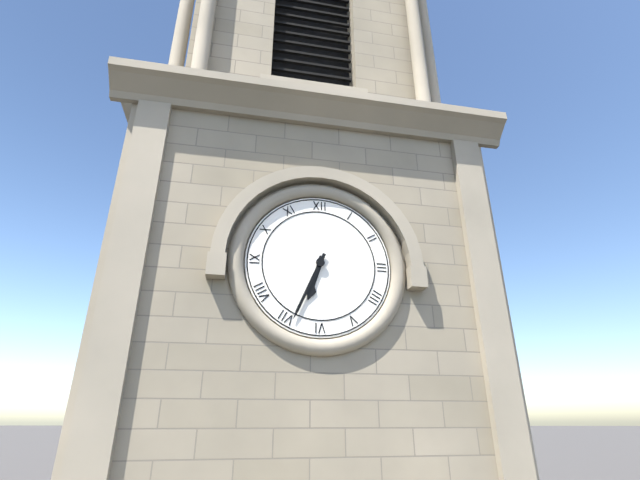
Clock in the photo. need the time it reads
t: 6:34
